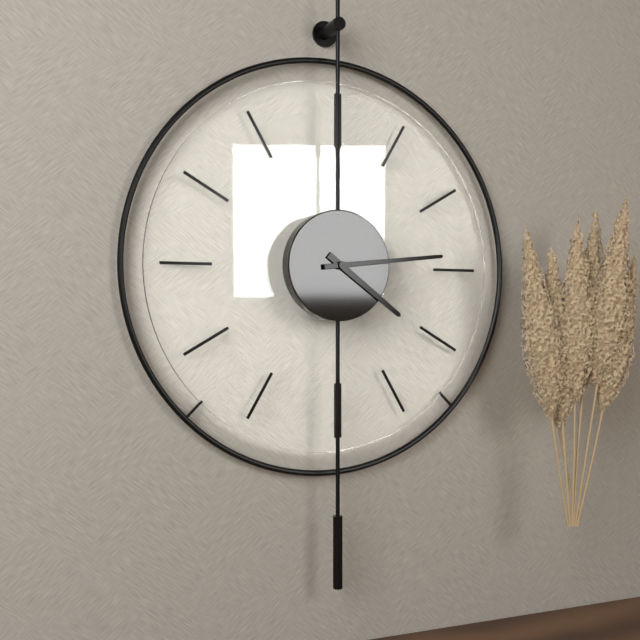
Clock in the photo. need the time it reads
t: 4:14
